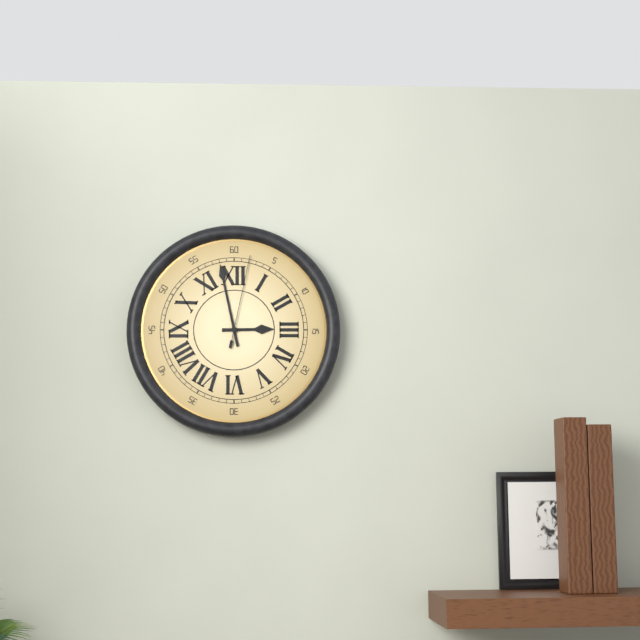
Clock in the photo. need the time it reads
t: 2:58:02
